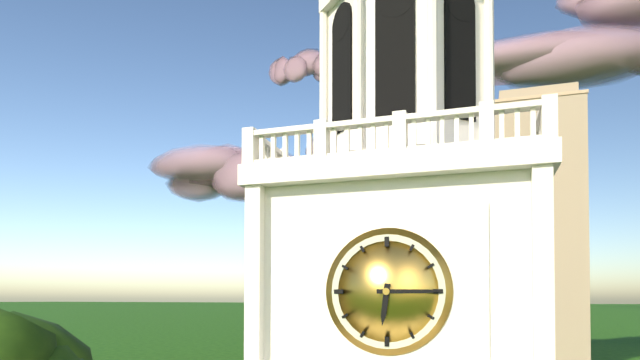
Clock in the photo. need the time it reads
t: 6:15
